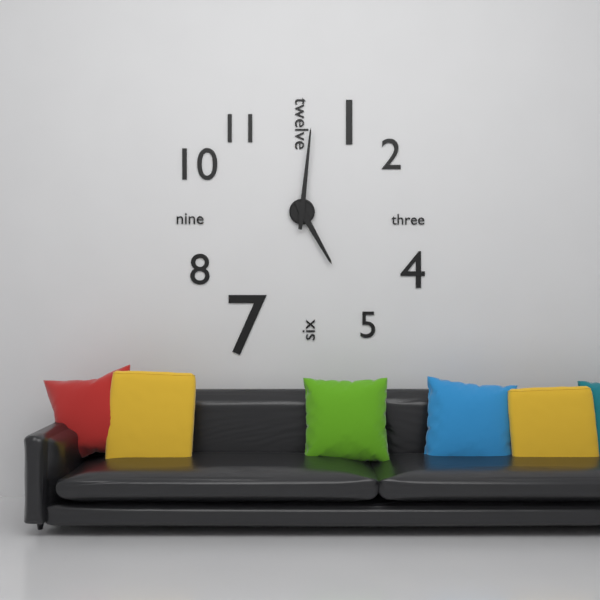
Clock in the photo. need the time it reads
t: 5:01
